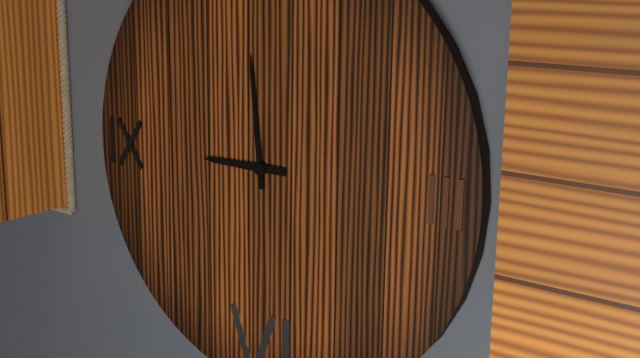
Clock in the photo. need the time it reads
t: 8:59
